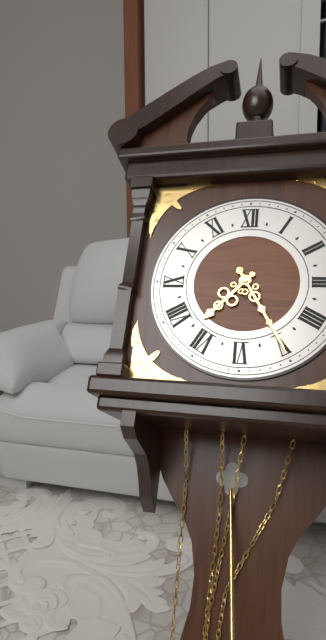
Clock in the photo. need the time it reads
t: 7:25
